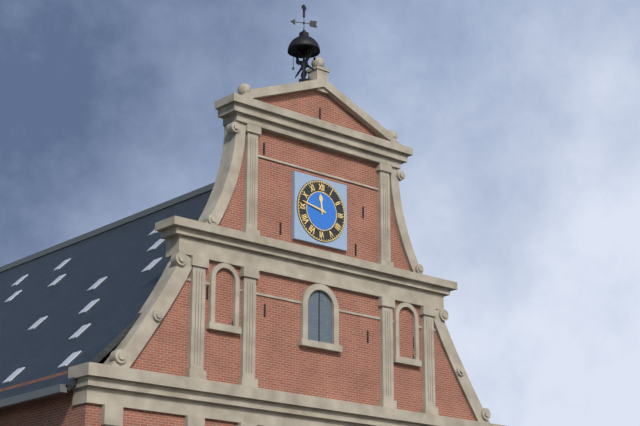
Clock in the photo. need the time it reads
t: 11:47
